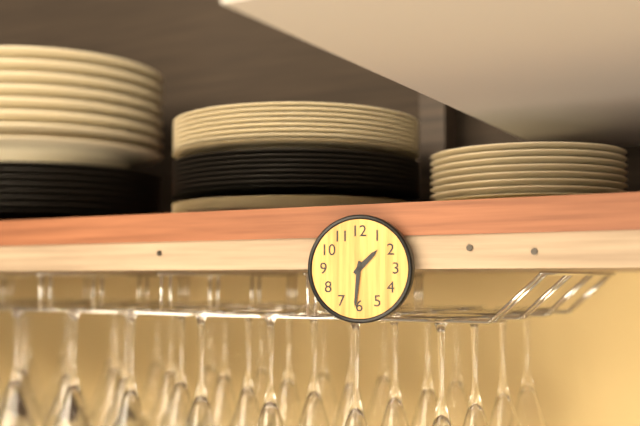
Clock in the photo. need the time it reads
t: 1:31
